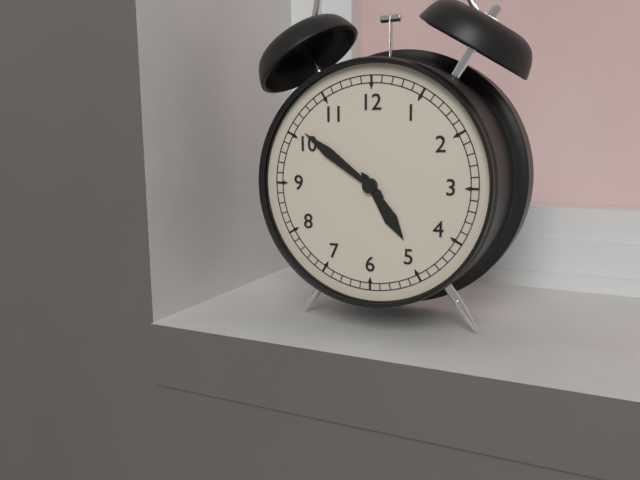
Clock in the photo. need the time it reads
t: 4:51
